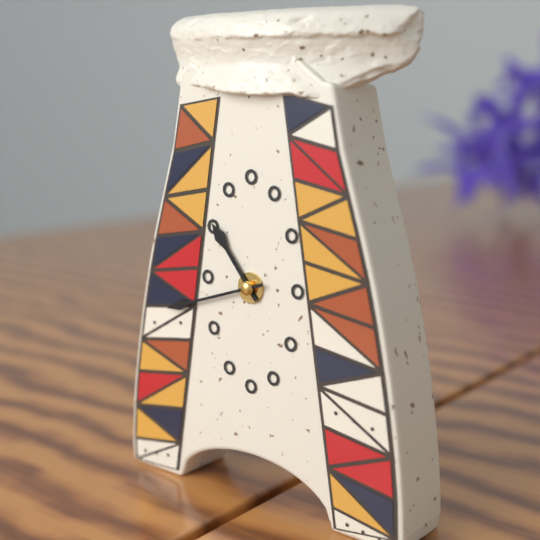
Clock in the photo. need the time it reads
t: 10:42
